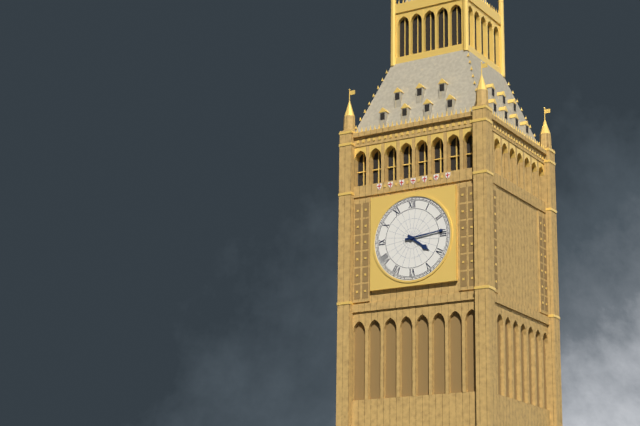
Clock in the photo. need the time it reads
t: 4:14
